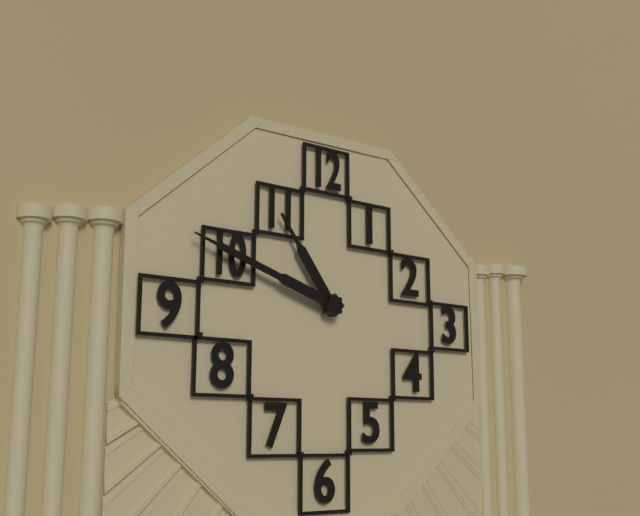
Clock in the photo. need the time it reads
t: 10:48
